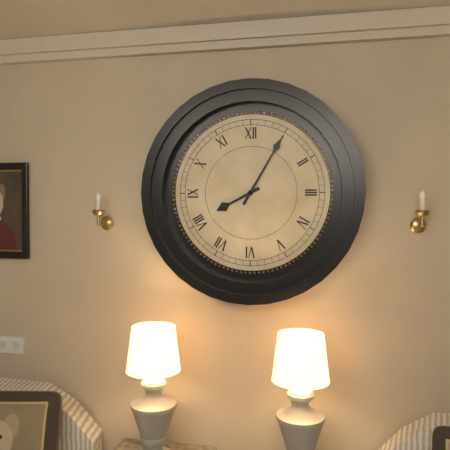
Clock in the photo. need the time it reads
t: 8:05
